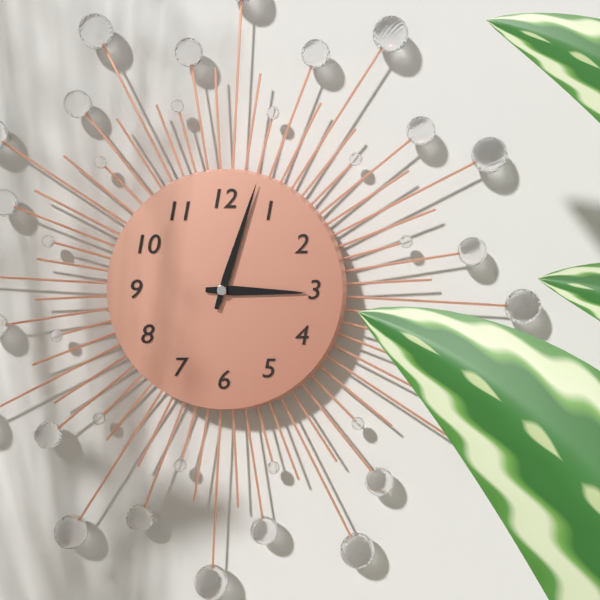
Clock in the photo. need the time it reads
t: 3:03
